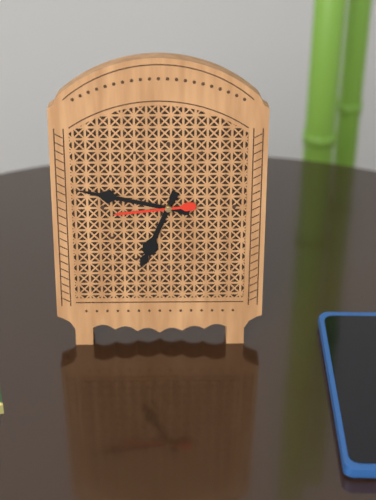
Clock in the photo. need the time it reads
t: 6:47:44
